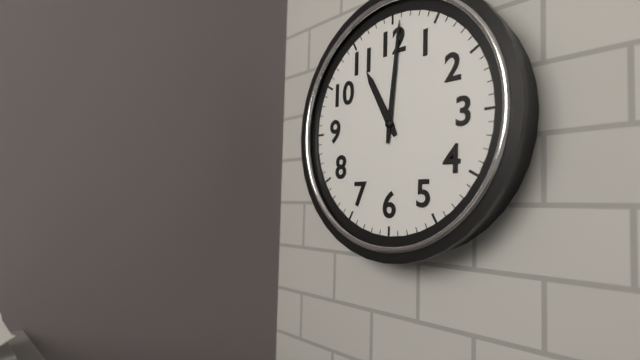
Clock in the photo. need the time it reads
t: 11:01
